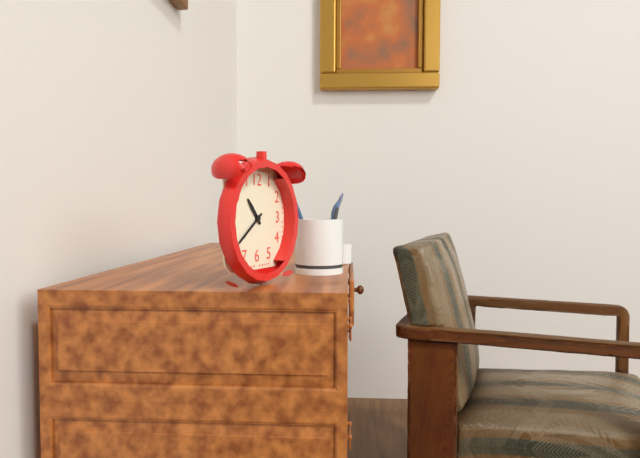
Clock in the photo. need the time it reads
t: 10:39
